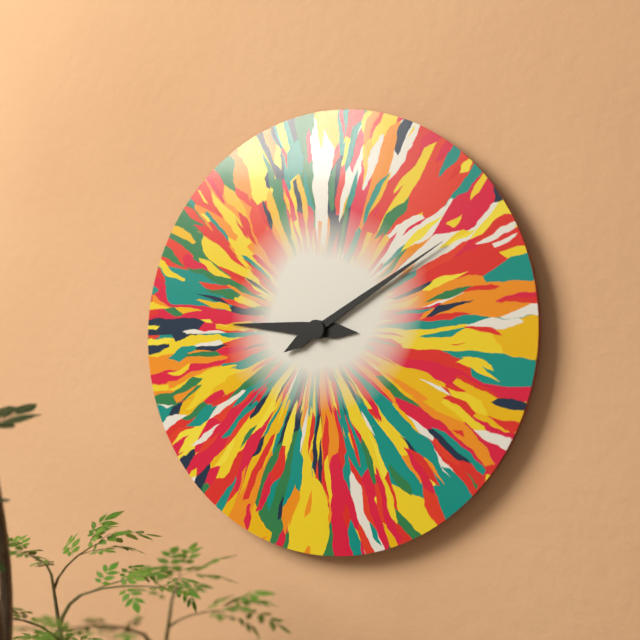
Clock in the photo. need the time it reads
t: 9:10
